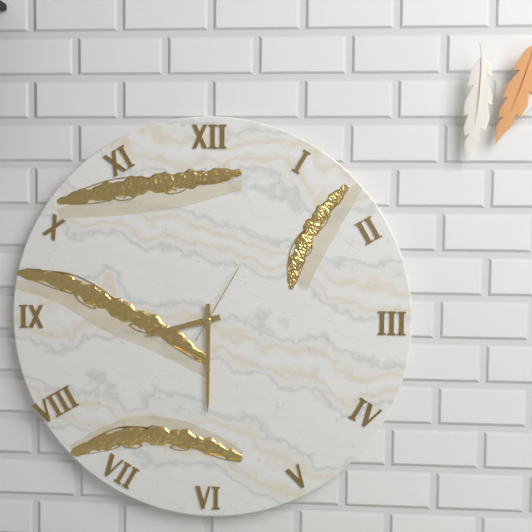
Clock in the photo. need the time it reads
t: 8:30:05
